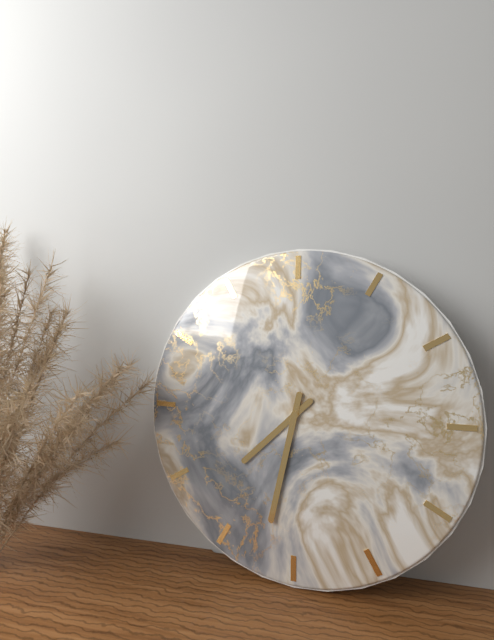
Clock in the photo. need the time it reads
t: 7:32
